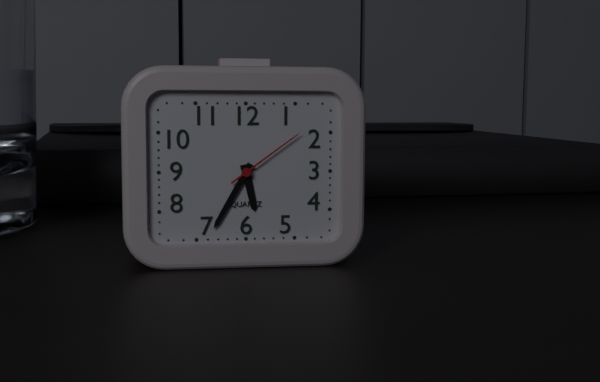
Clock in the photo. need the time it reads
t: 5:35:09
